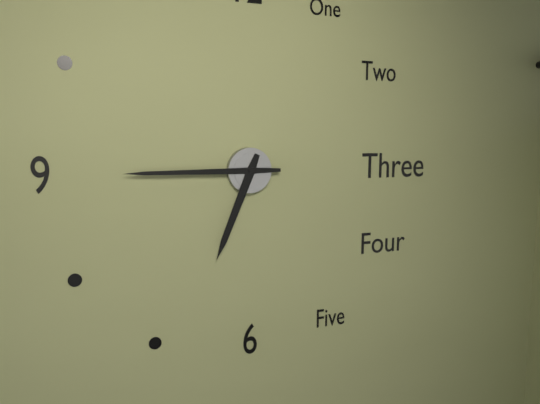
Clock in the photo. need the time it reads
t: 6:45
